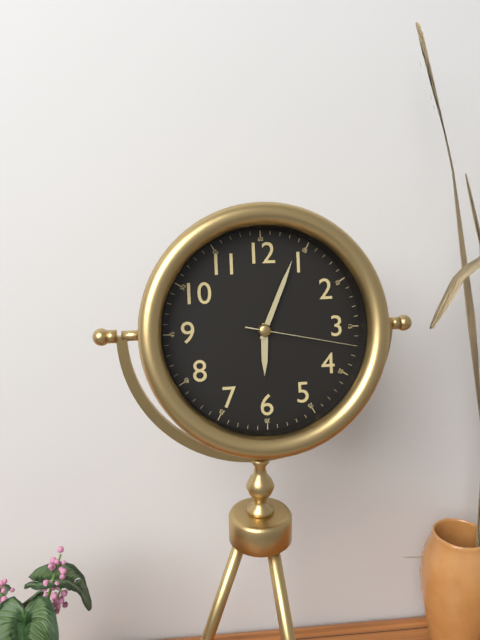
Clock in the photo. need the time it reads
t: 6:04:17
